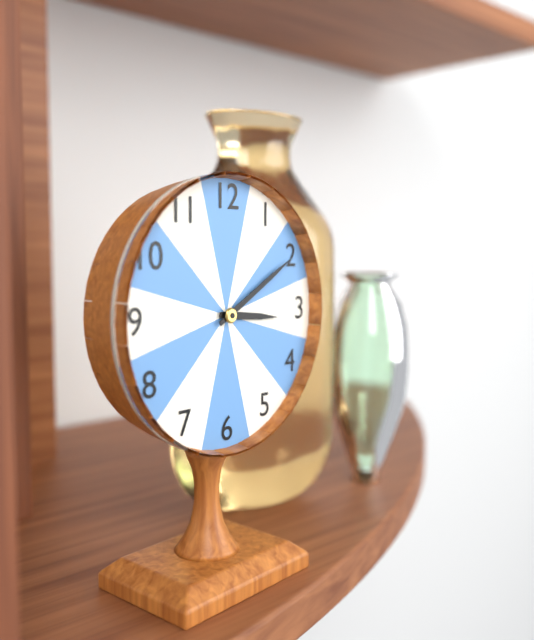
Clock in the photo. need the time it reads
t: 3:10
